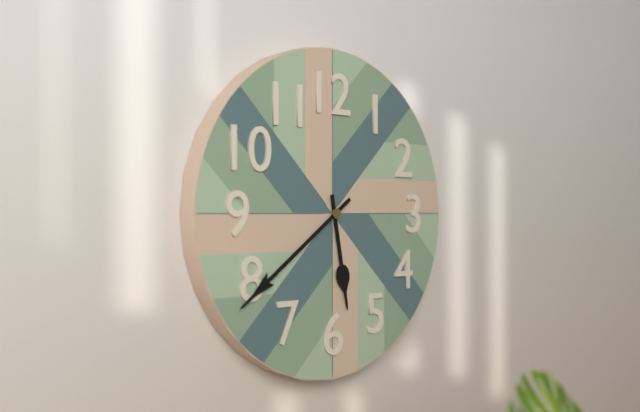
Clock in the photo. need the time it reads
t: 5:39
